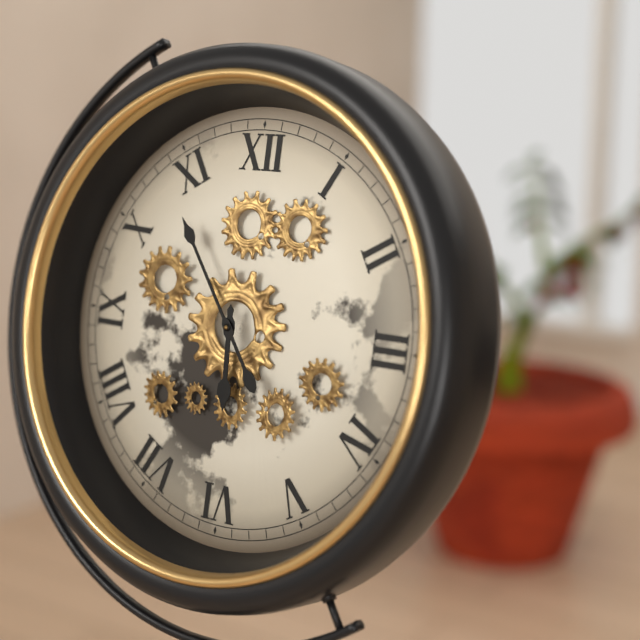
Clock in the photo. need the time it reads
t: 5:54
